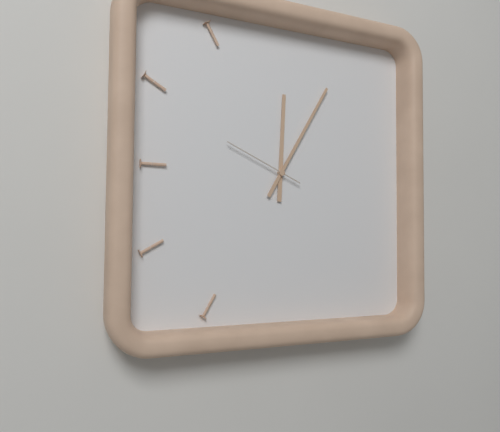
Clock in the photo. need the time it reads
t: 12:05:49
